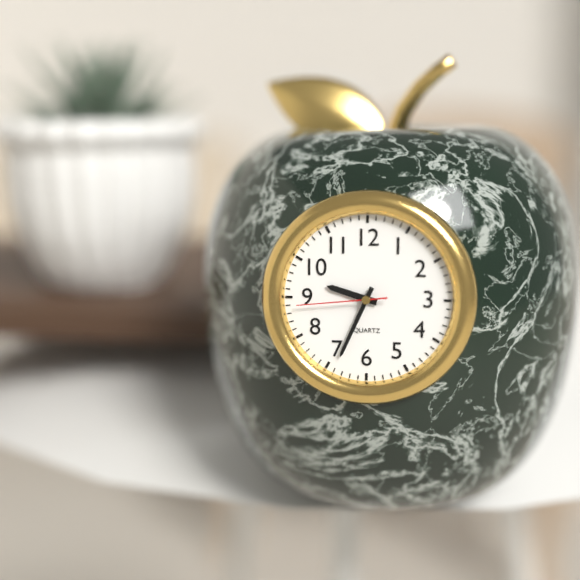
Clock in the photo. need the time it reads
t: 9:34:44
